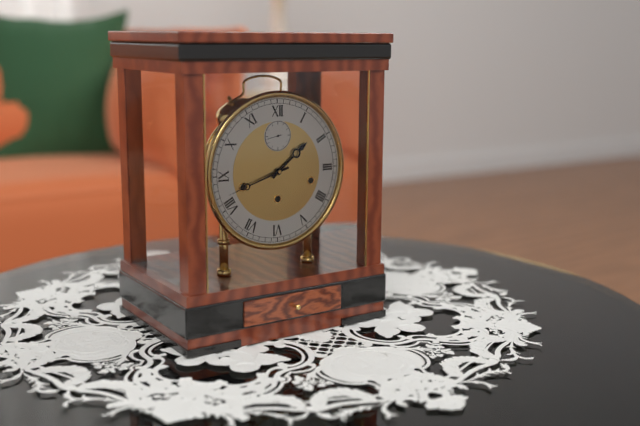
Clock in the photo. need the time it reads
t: 1:42
